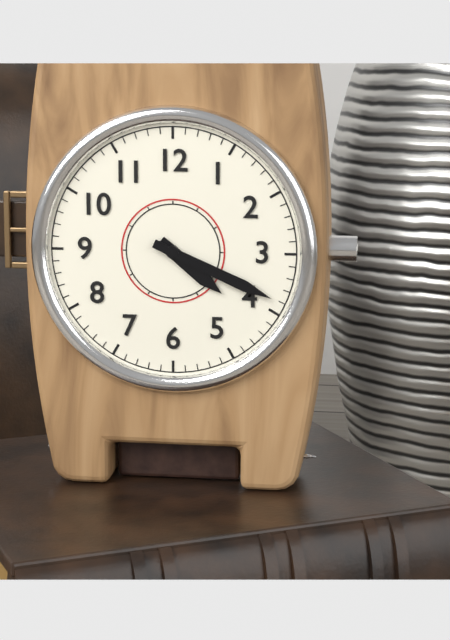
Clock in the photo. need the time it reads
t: 4:19
